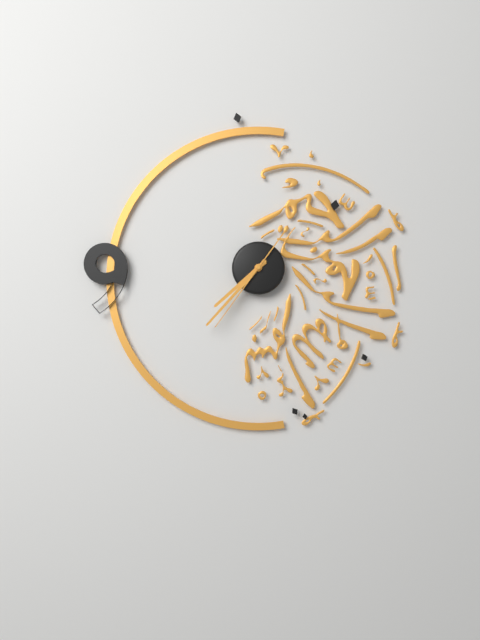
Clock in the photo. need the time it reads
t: 7:37:36
